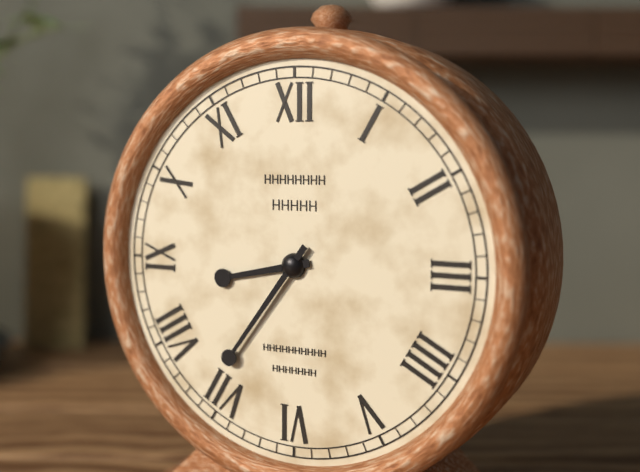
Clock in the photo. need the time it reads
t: 8:36
